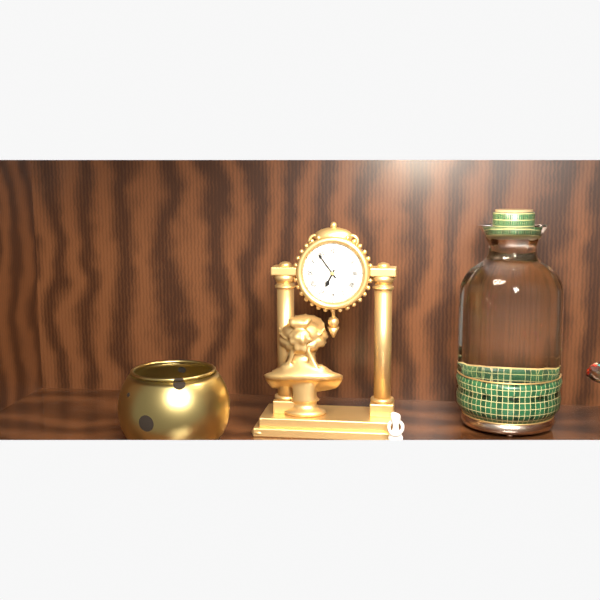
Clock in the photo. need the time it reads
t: 6:54
